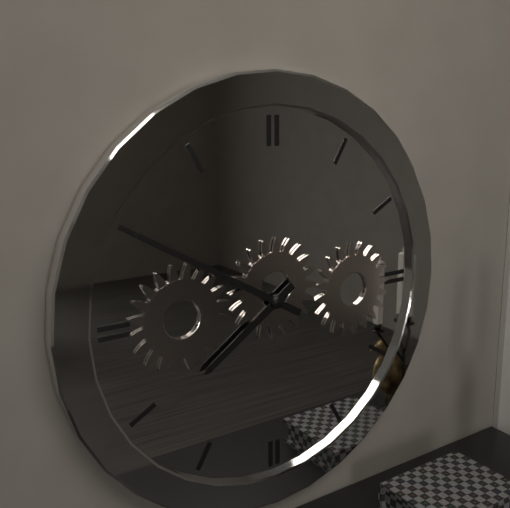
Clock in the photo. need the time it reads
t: 7:50
